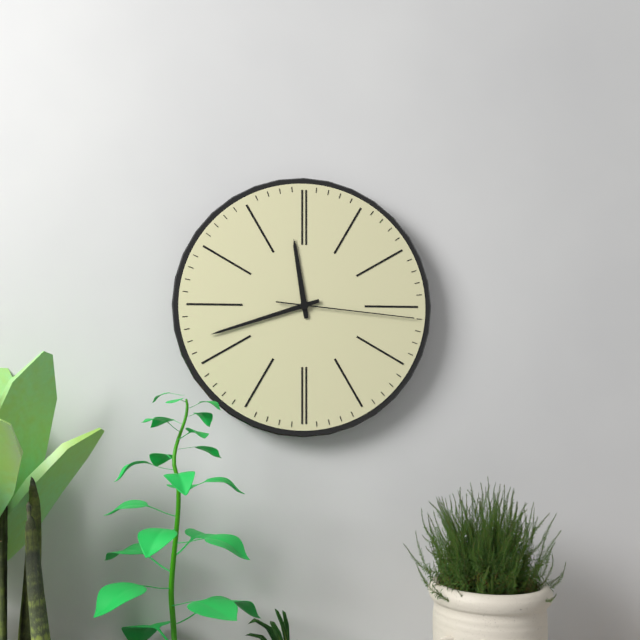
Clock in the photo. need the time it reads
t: 11:42:16
